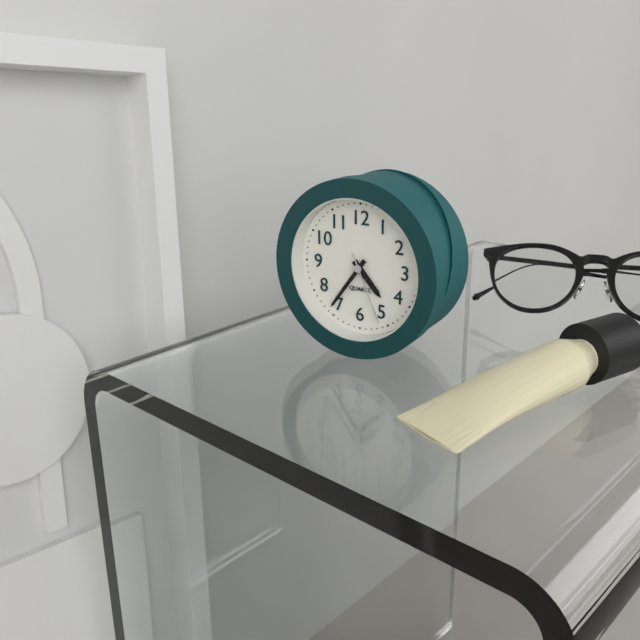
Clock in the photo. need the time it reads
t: 4:36:26
